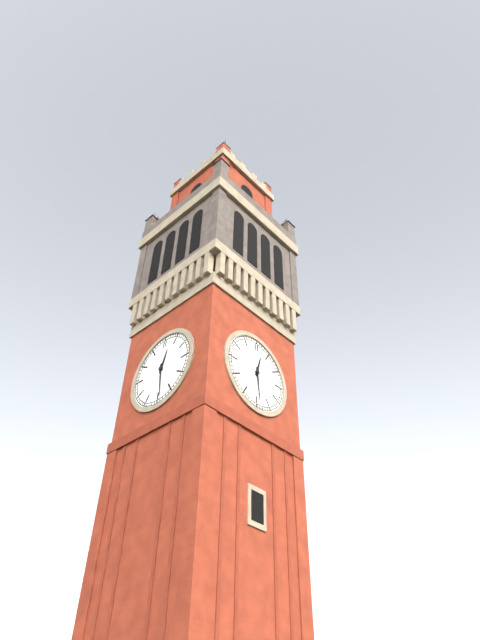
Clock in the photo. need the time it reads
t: 12:29
